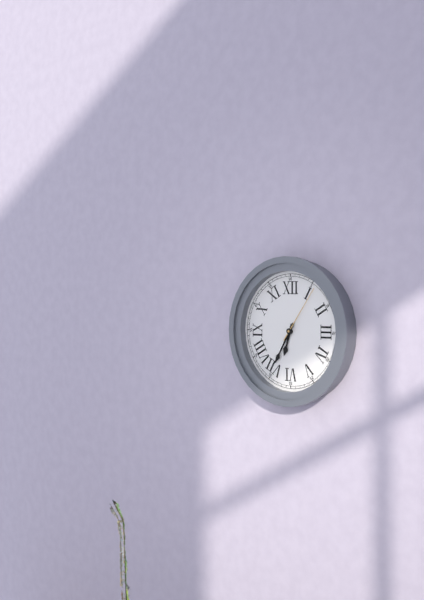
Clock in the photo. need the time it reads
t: 6:35:06
